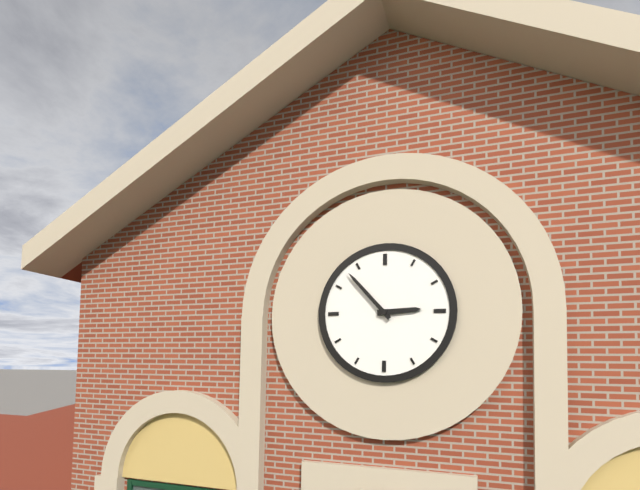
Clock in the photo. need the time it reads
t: 2:53
